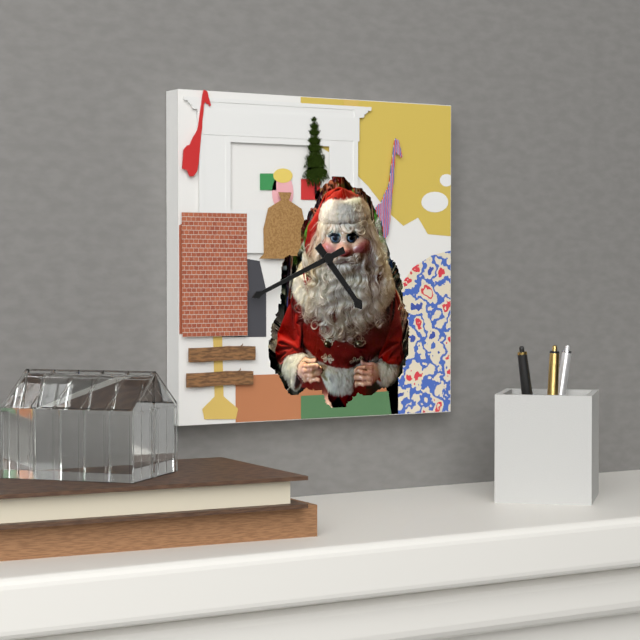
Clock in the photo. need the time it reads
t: 4:41
